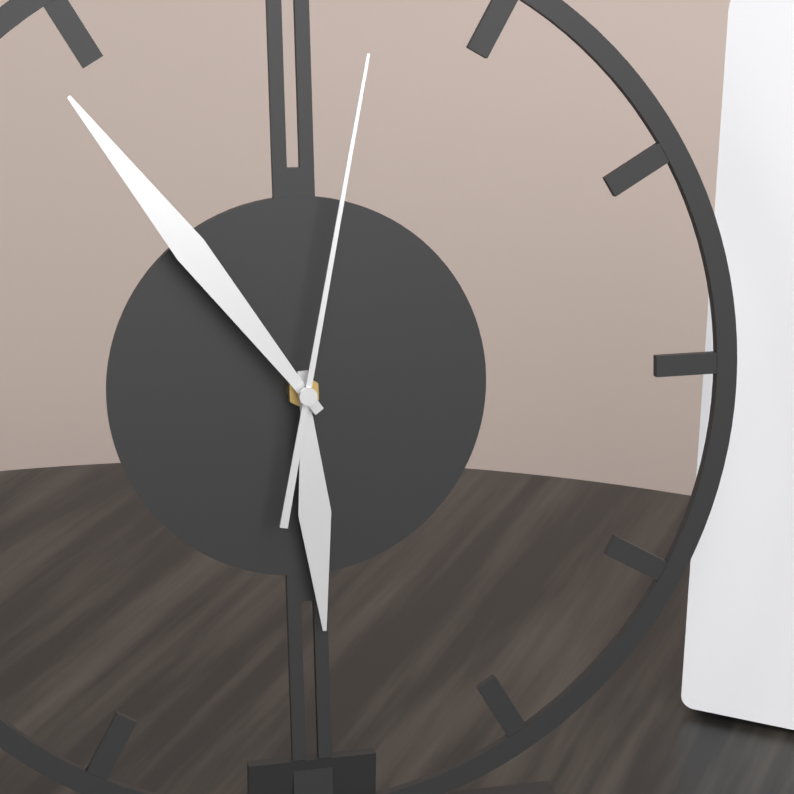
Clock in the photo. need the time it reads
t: 5:54:02
